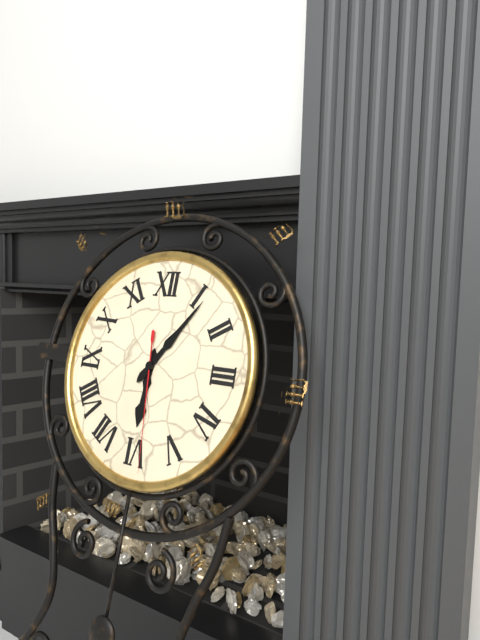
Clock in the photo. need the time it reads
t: 6:06:29
